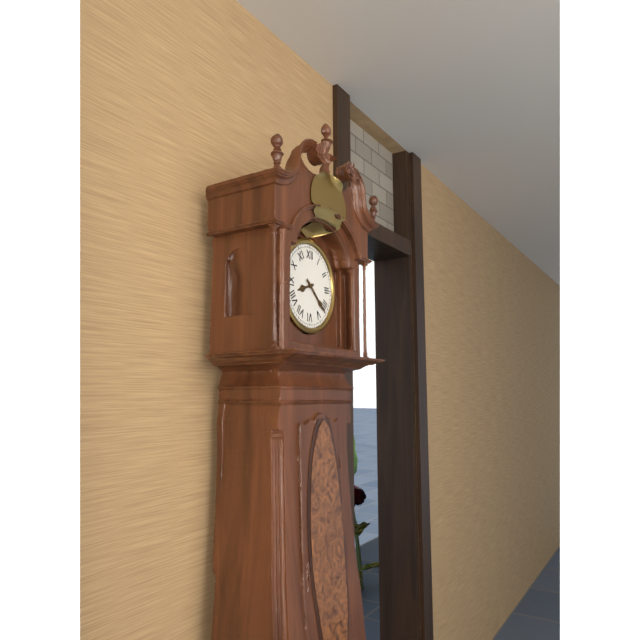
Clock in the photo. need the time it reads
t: 8:22
